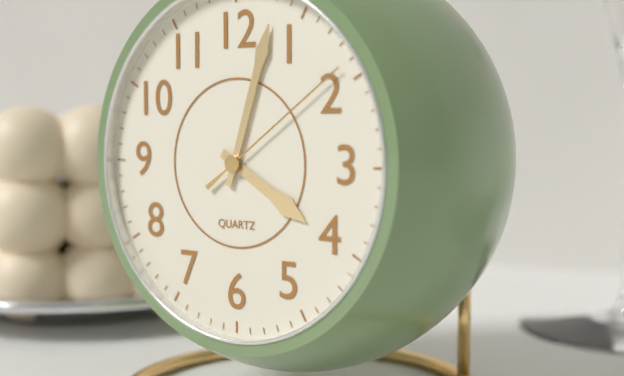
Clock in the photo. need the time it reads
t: 4:03:09
